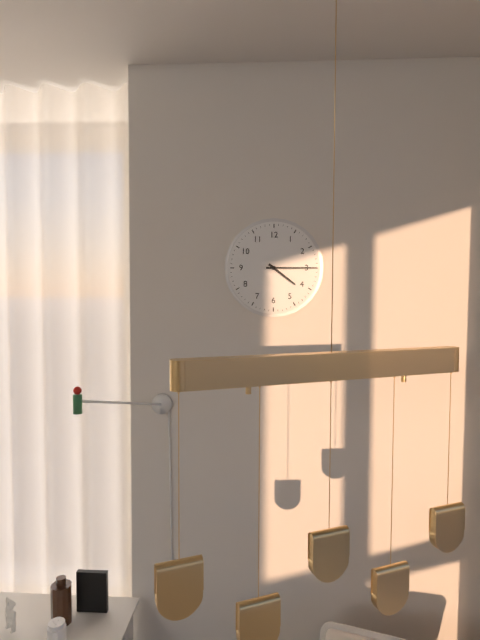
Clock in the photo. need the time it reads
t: 4:15
